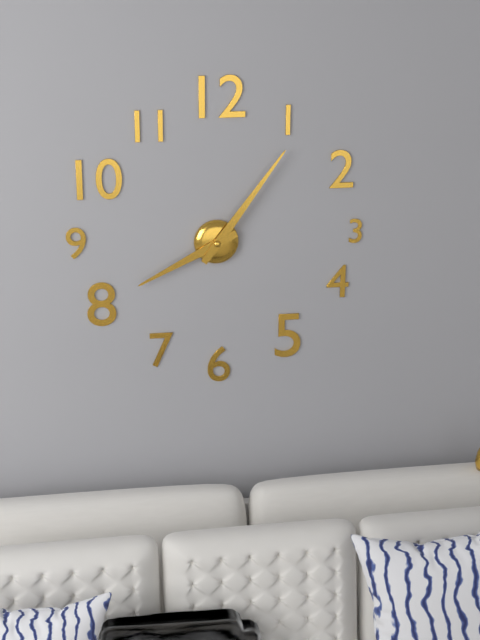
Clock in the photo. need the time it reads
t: 8:06
